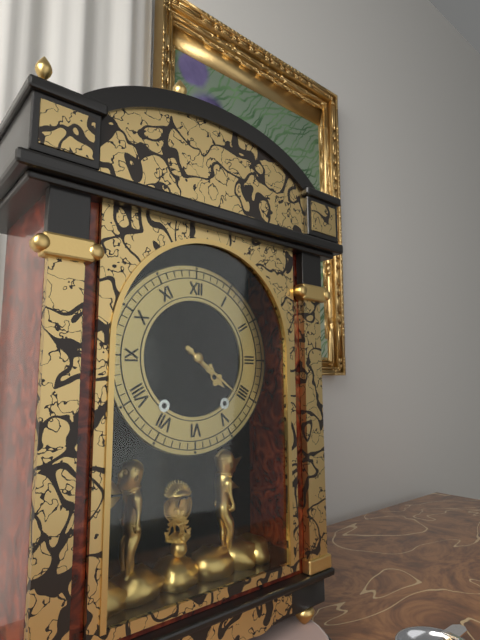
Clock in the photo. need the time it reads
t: 4:21
